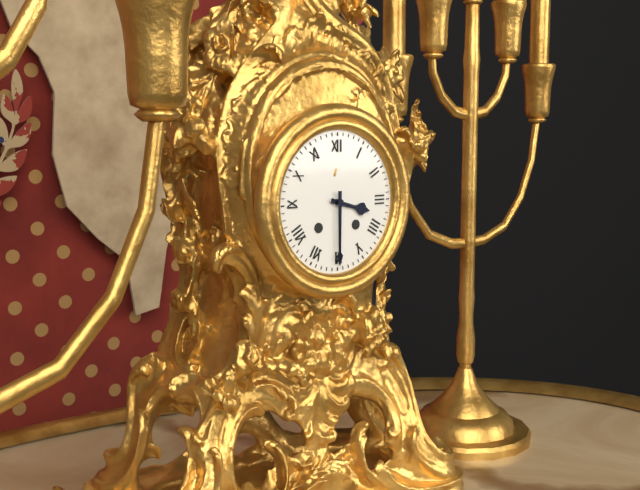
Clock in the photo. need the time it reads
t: 3:30
